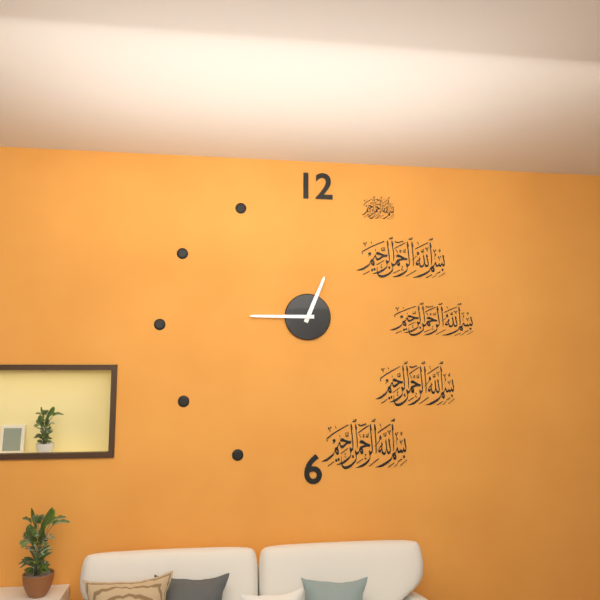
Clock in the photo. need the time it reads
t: 12:45
